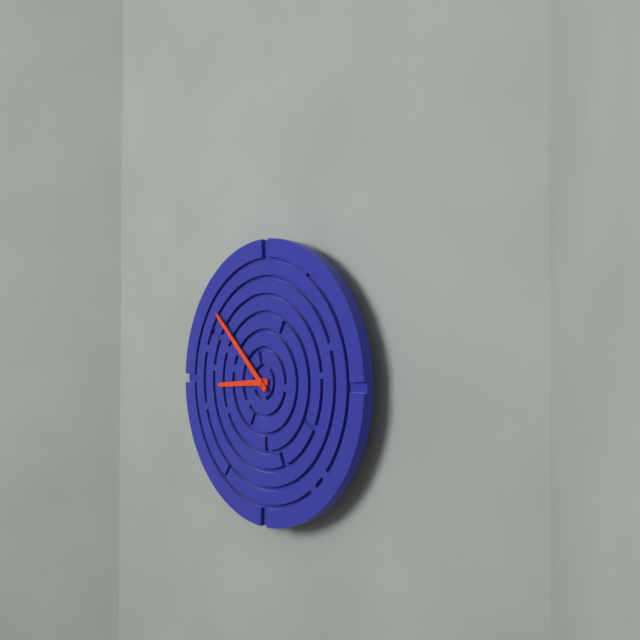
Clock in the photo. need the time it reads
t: 8:52
